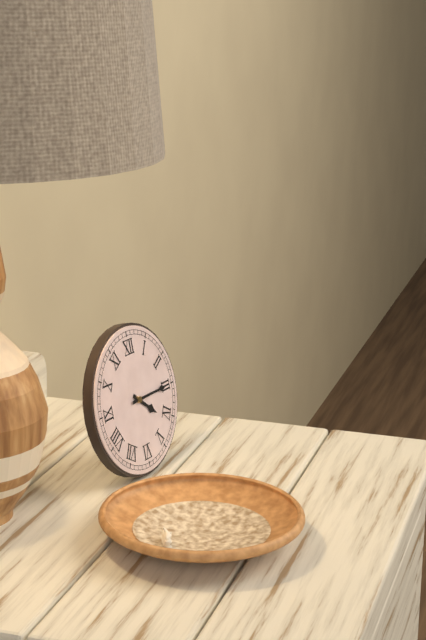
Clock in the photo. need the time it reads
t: 4:15
